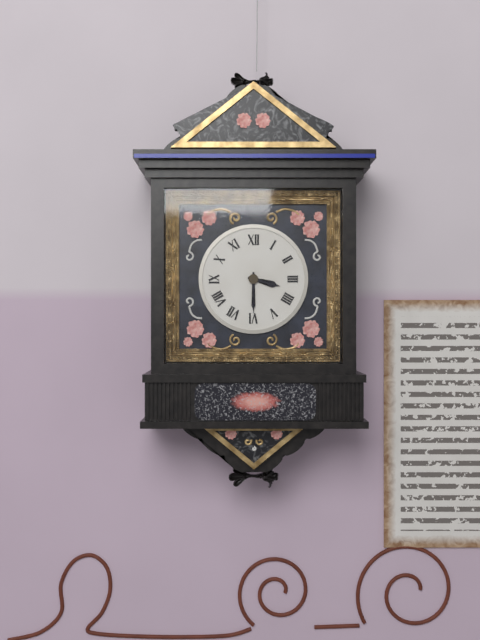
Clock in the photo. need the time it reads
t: 3:30
